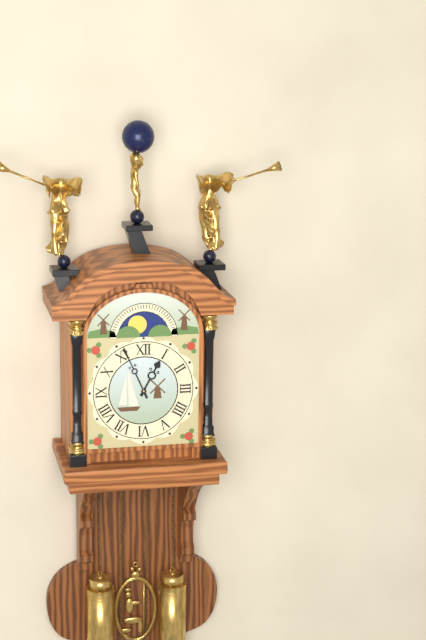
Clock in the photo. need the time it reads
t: 12:56
